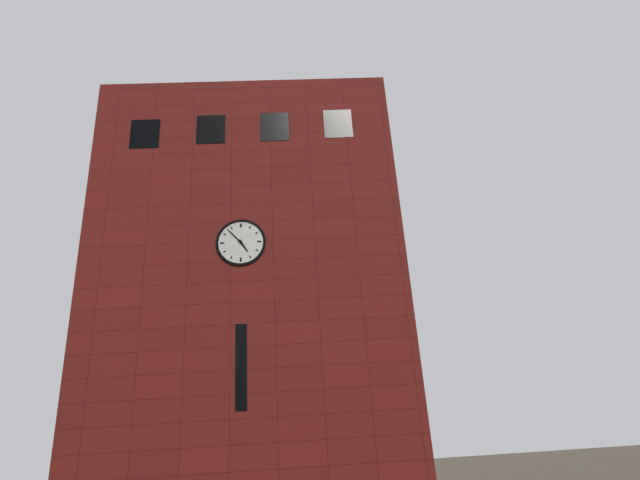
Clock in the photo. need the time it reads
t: 4:53
